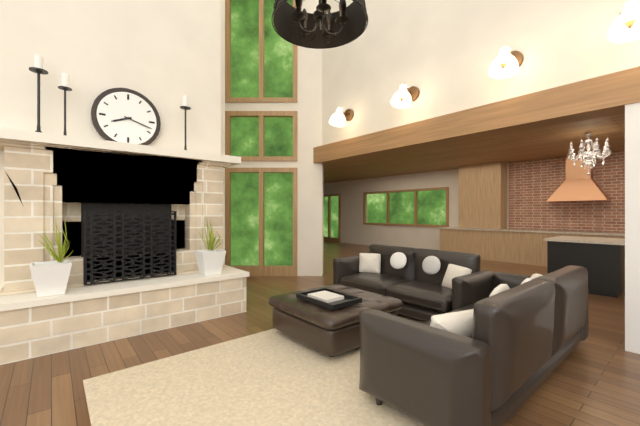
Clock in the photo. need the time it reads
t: 8:18
